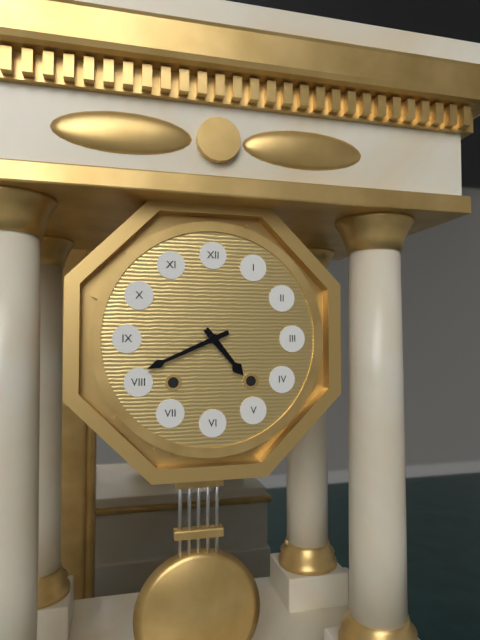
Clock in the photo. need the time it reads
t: 4:41
